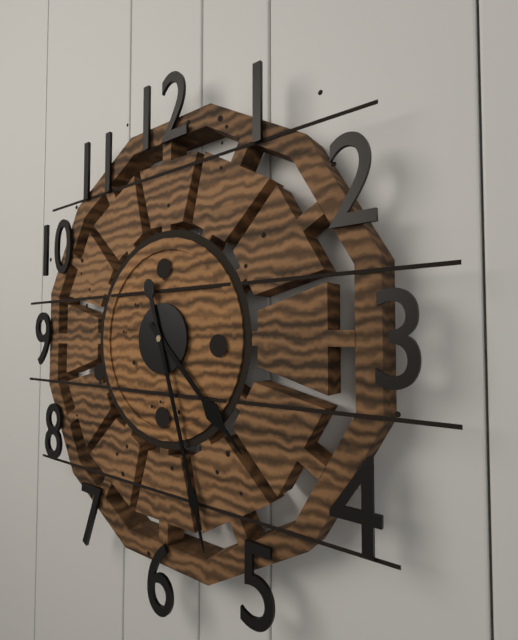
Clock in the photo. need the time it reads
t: 4:27
